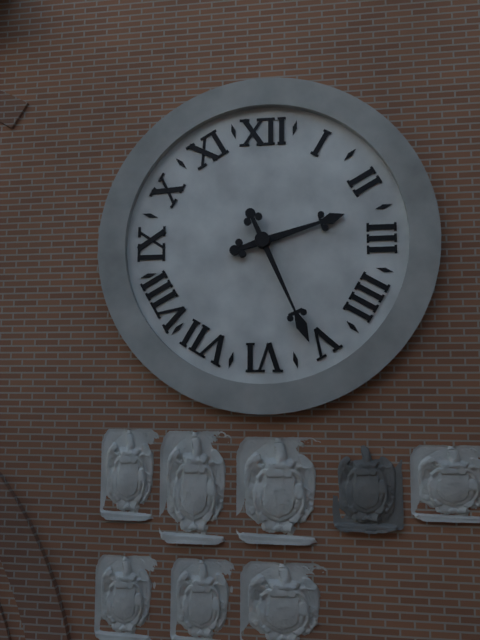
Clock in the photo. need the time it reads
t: 2:26
